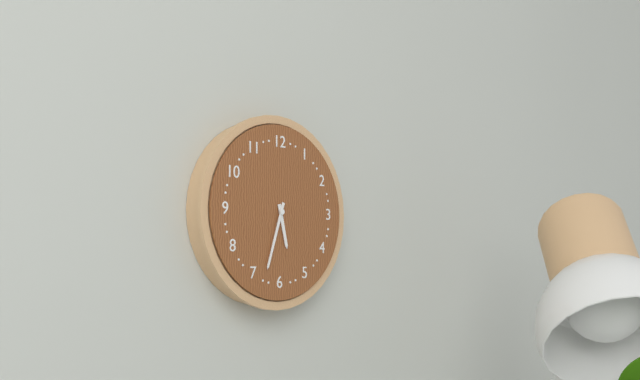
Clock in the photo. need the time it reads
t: 5:33
